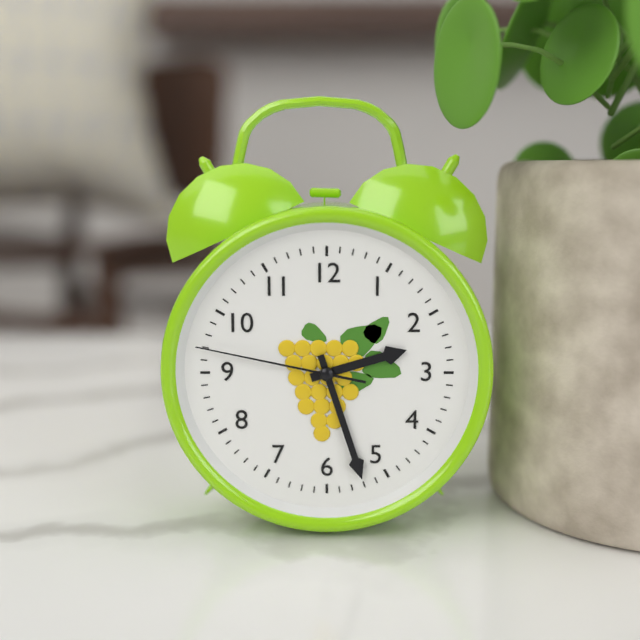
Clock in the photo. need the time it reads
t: 2:27:47
